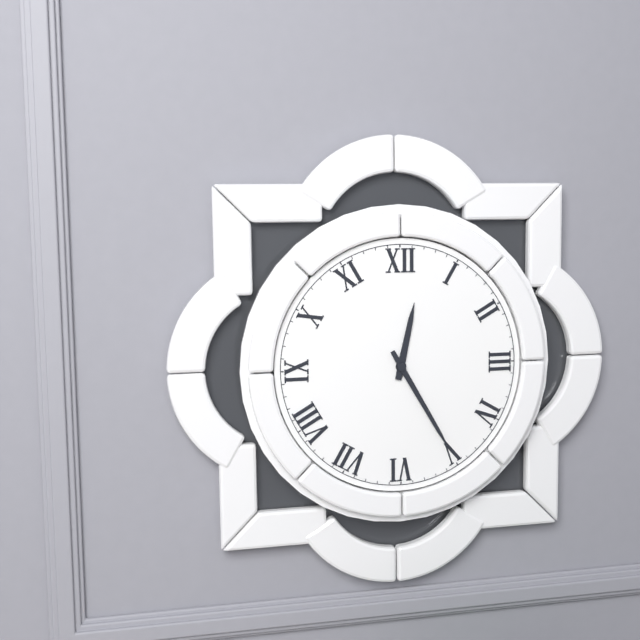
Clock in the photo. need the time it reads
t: 12:25
